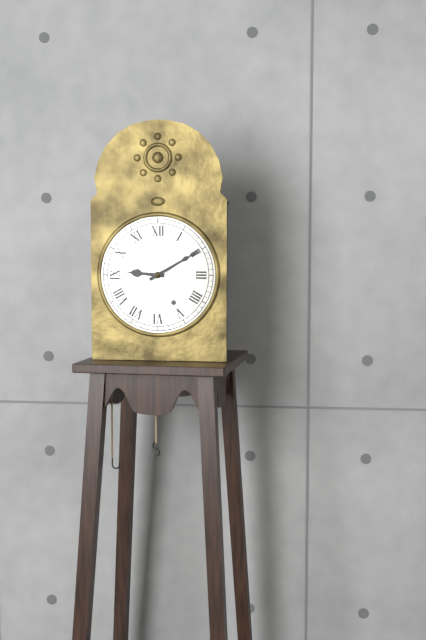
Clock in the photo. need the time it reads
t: 9:10
